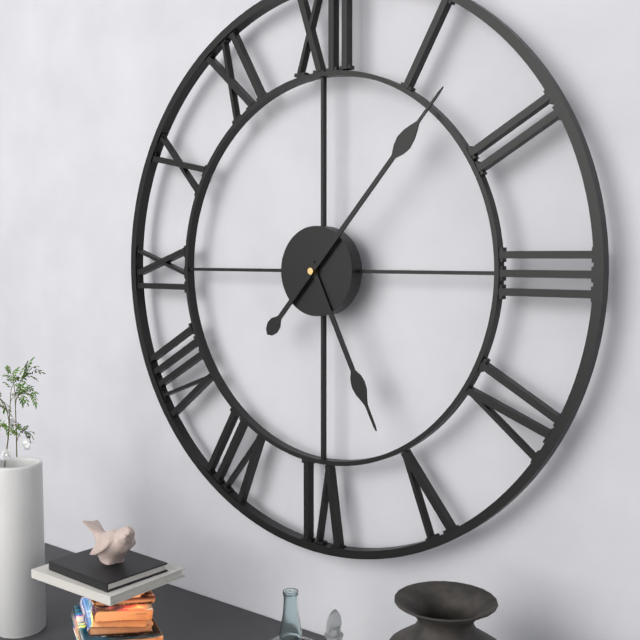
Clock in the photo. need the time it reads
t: 5:07
